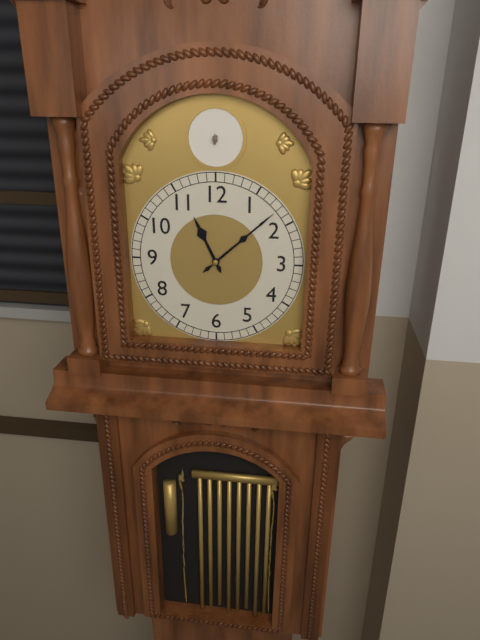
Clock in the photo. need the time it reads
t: 11:08
